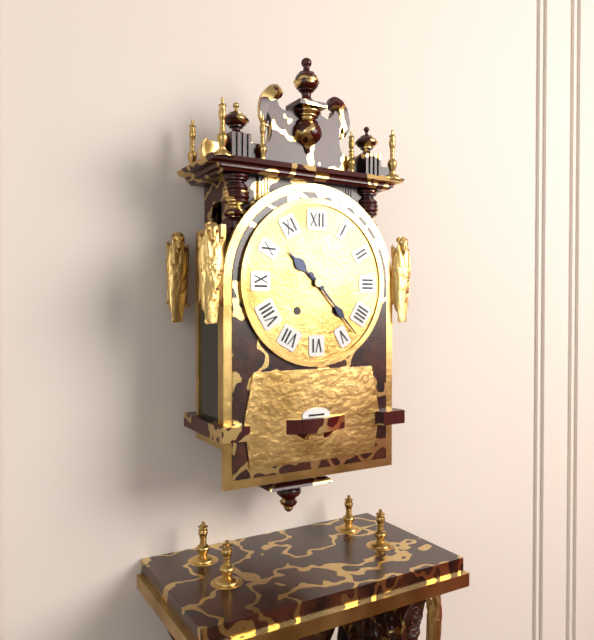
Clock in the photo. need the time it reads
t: 10:23
